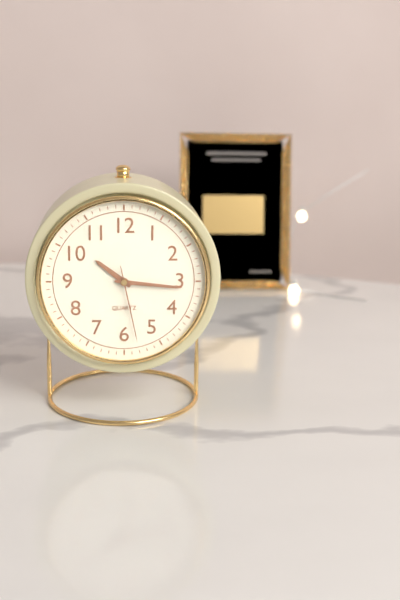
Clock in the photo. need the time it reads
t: 10:16:28
